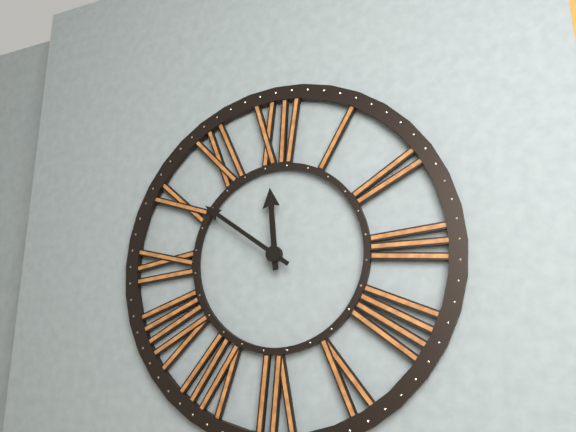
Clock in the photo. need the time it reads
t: 11:51
